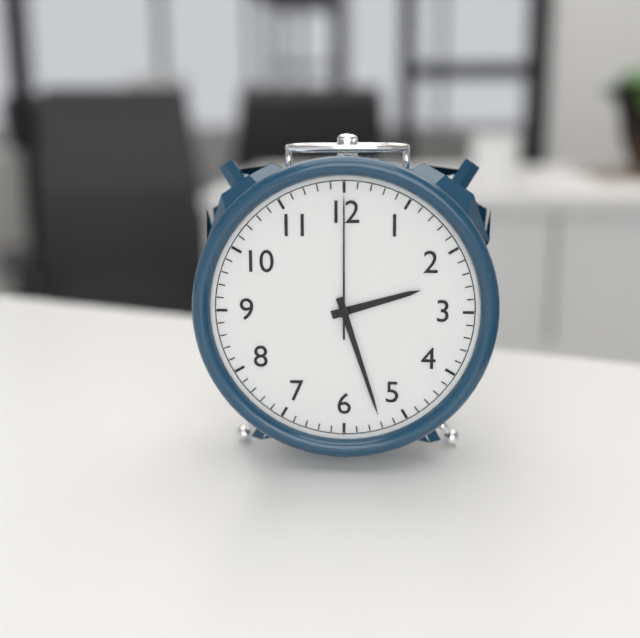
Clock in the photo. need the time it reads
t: 2:27:00
